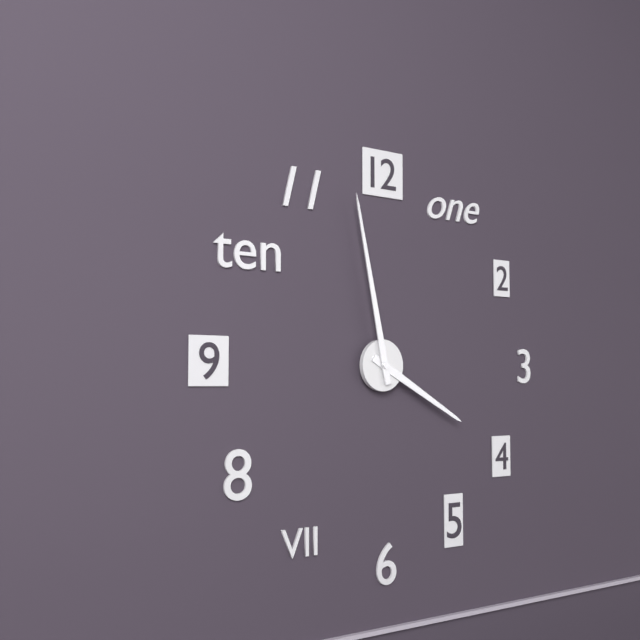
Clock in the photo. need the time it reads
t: 3:58
